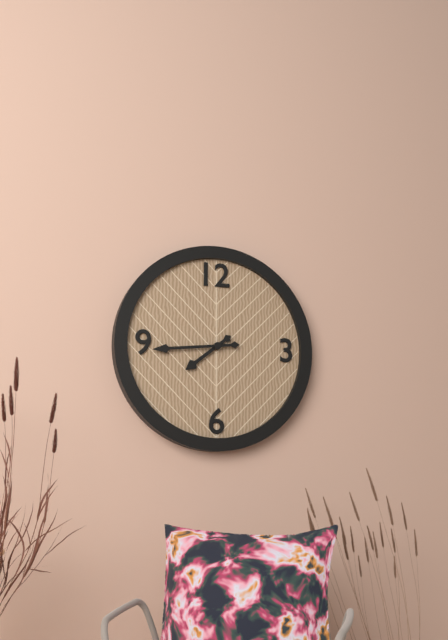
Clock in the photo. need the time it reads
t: 7:44
